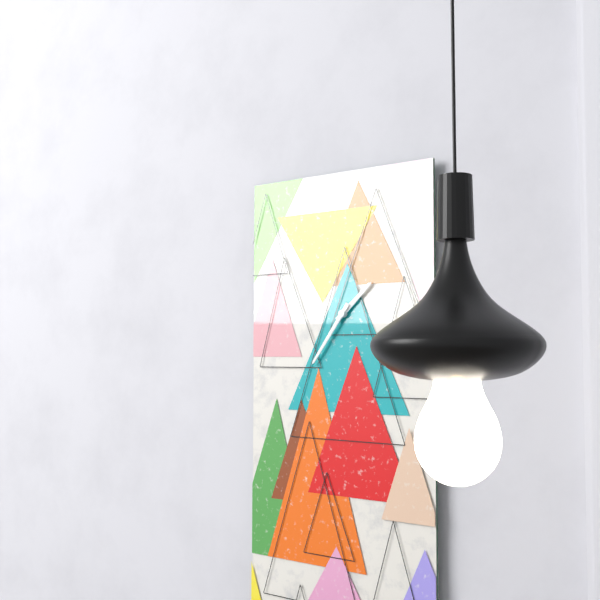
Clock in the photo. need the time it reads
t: 1:36
